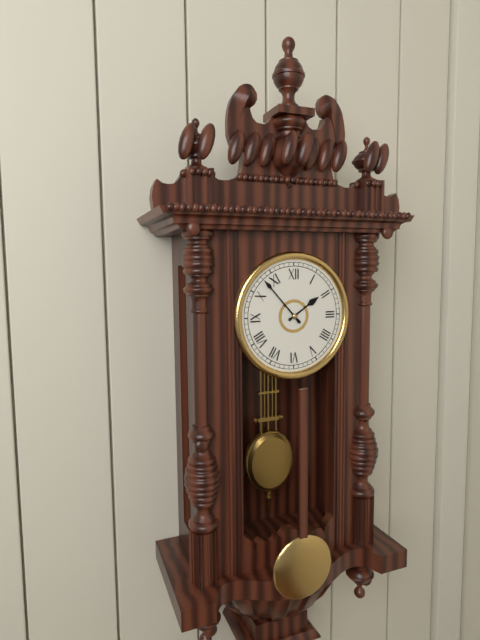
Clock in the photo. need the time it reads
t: 1:53
